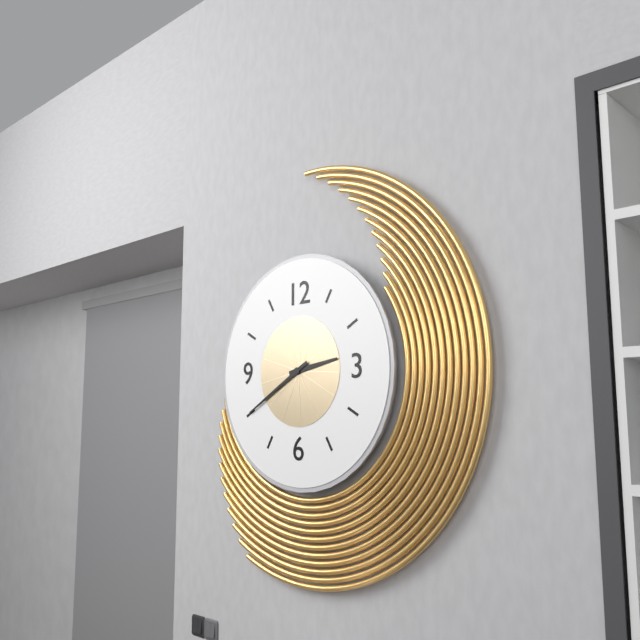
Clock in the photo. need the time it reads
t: 2:40
